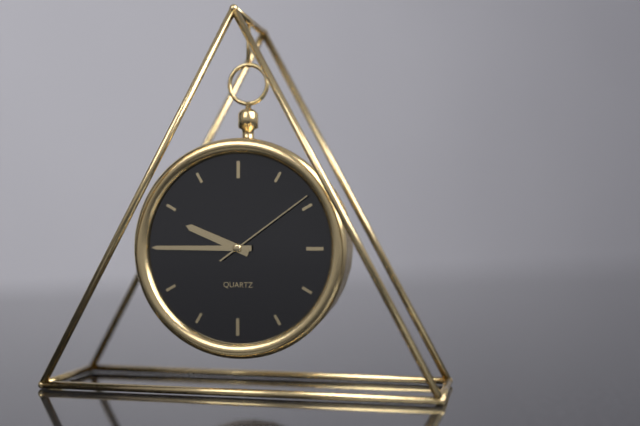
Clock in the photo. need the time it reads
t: 9:45:09
